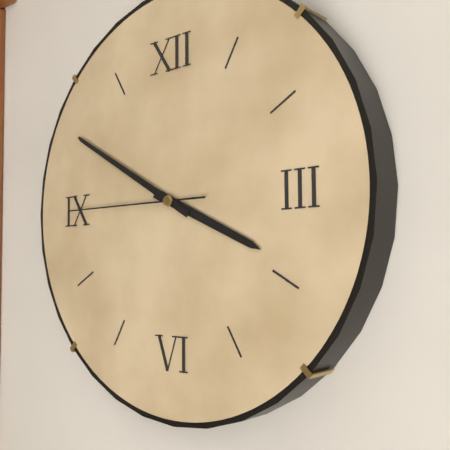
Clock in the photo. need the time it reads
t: 3:50:45
